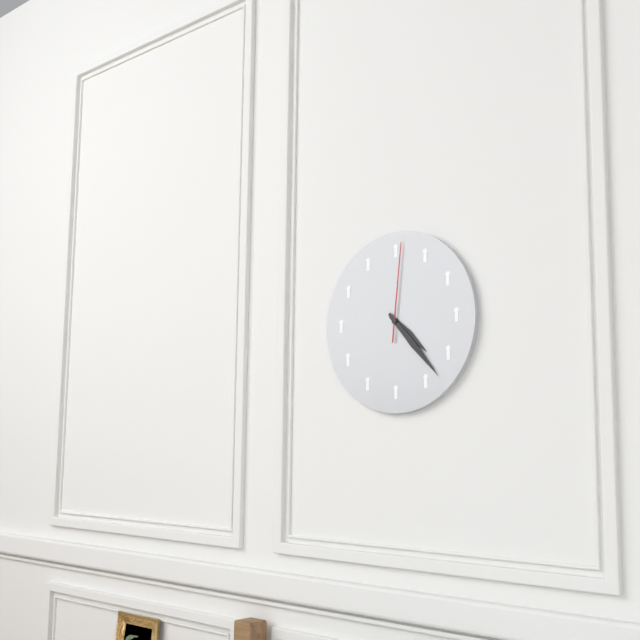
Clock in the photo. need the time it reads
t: 4:23:01
